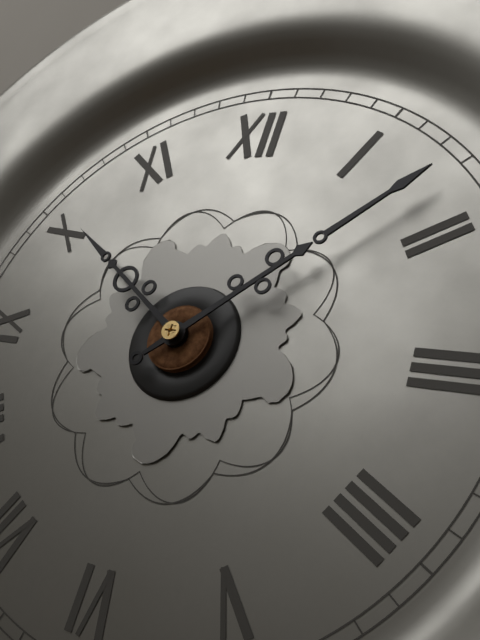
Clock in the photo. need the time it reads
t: 10:08
